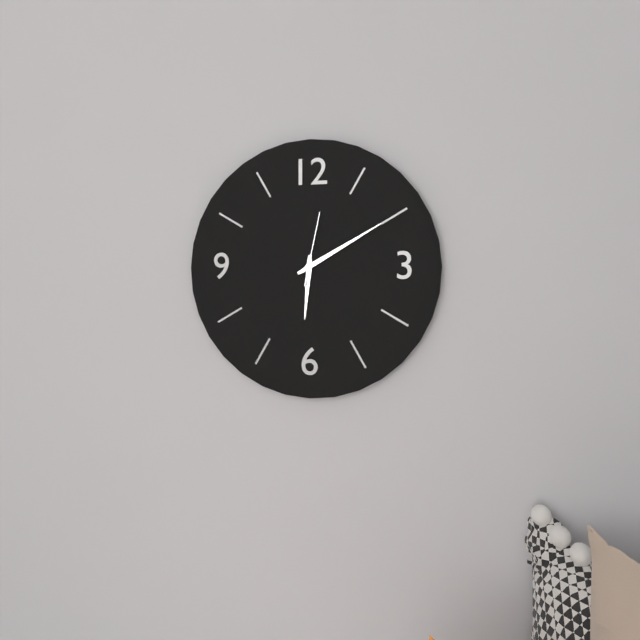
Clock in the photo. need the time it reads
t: 6:10:02
